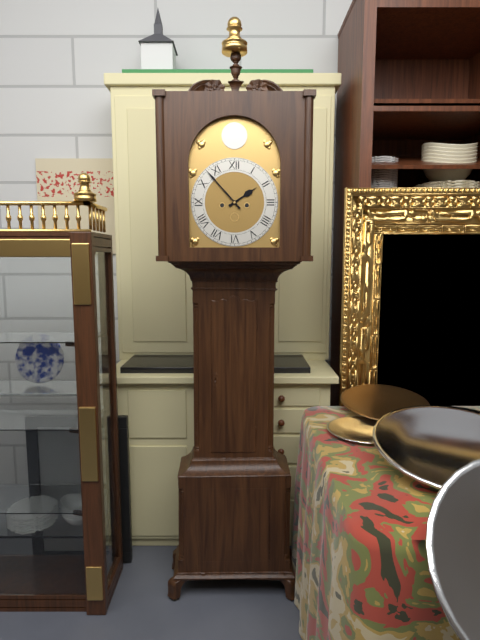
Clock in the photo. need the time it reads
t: 1:53
